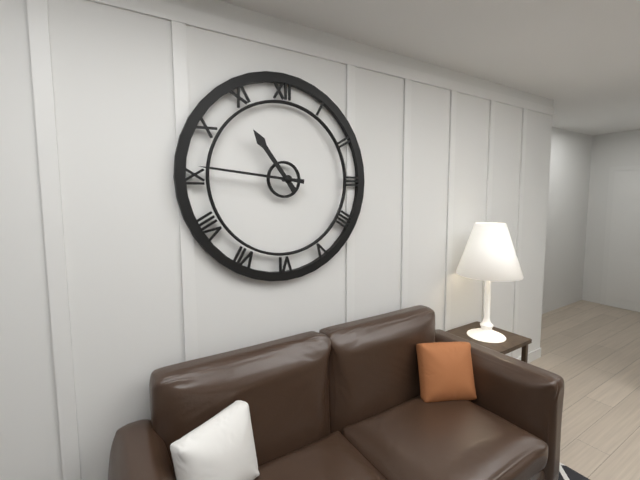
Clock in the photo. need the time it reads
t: 10:46
